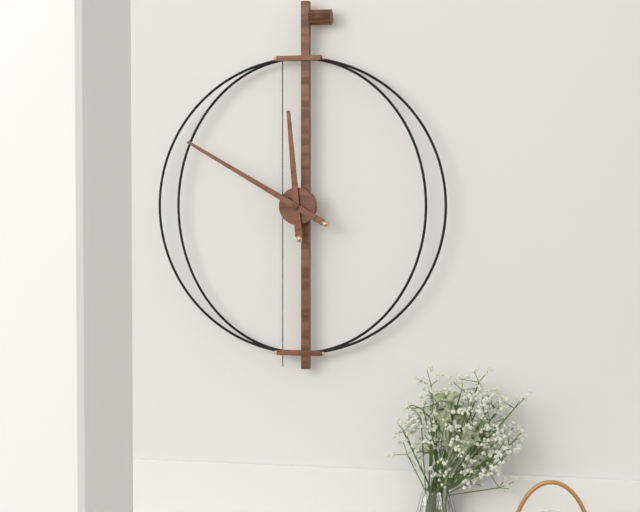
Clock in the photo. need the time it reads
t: 11:50
